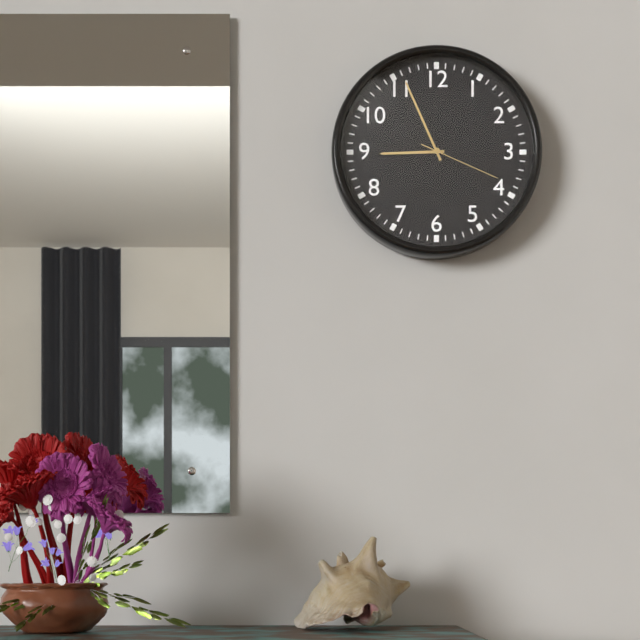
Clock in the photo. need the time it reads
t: 8:56:19
